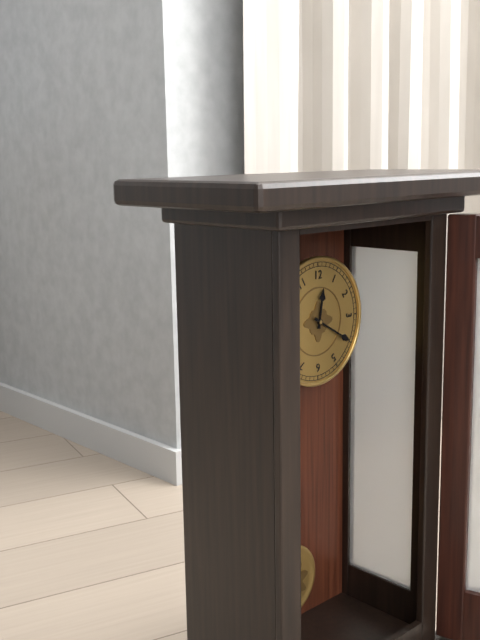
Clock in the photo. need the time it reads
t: 12:20
